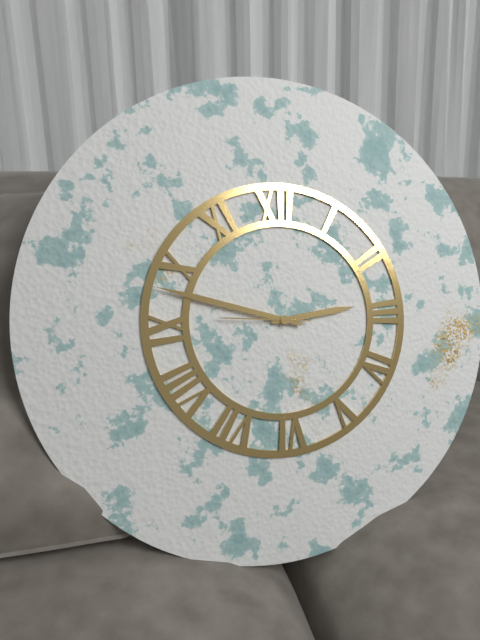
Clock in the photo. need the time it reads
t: 2:48:46
